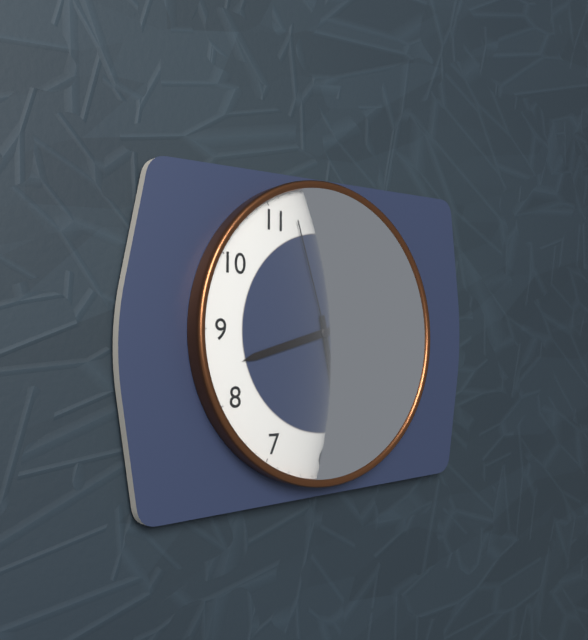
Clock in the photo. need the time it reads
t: 8:28:57
